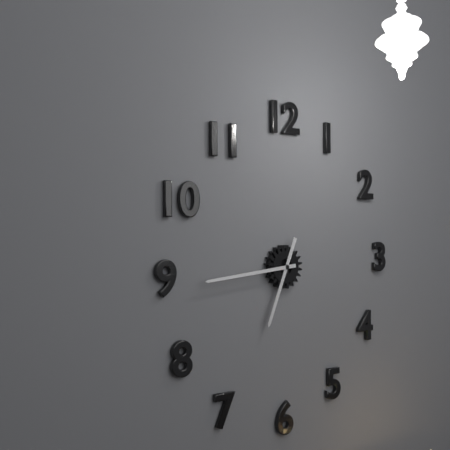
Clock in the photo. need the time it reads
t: 6:44
